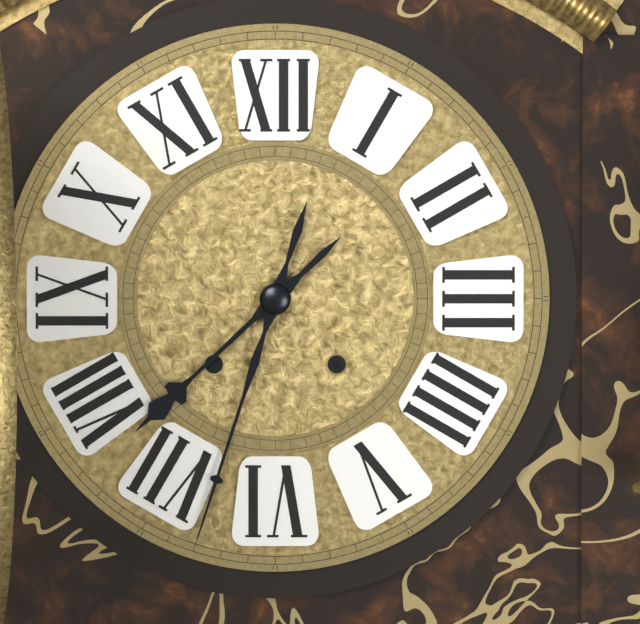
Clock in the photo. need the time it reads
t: 7:33
